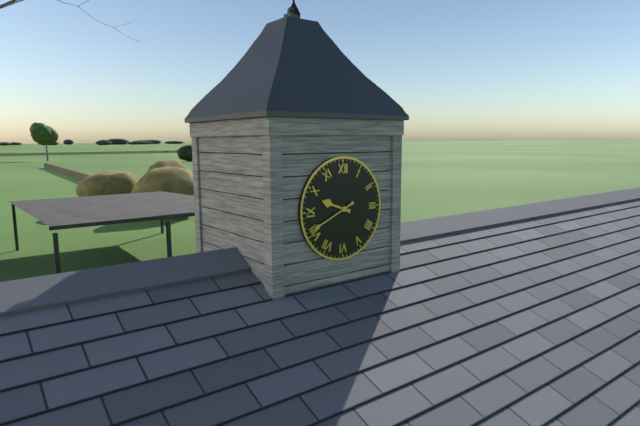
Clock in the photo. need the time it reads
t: 9:41
